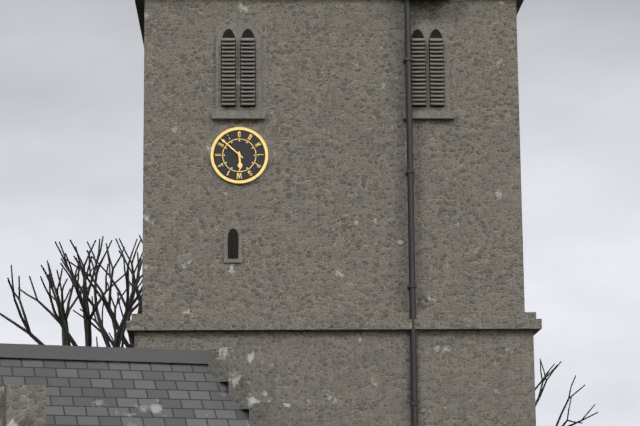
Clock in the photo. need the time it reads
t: 5:52
